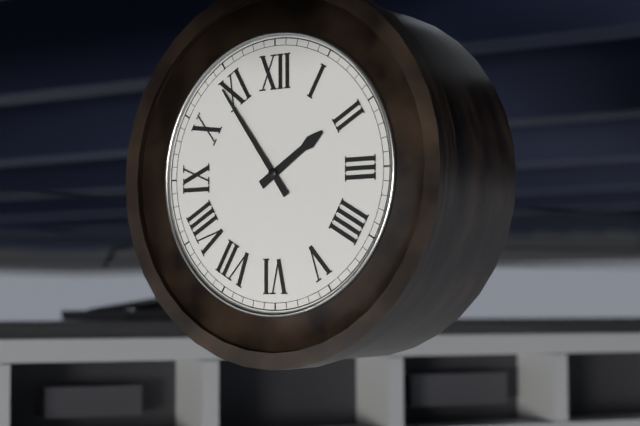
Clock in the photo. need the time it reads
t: 1:54
